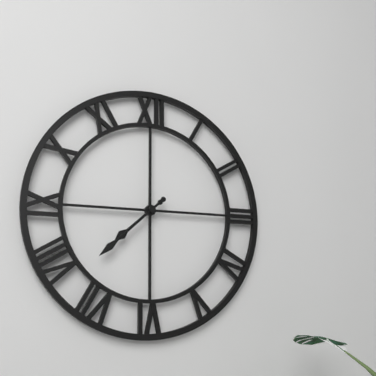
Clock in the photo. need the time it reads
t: 7:38
